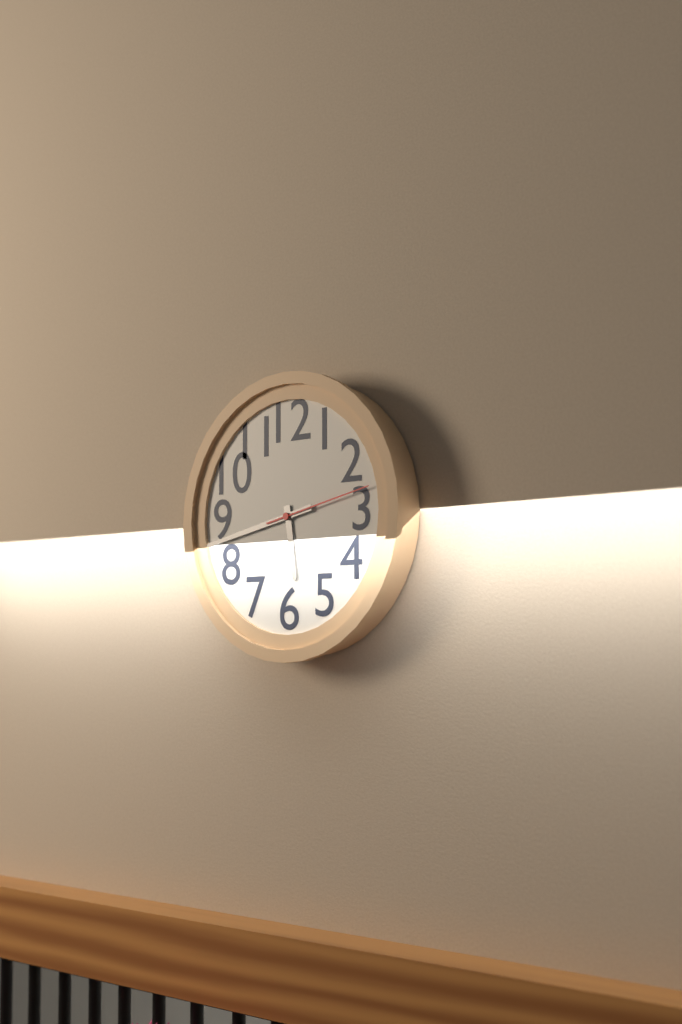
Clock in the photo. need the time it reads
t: 5:43:13
